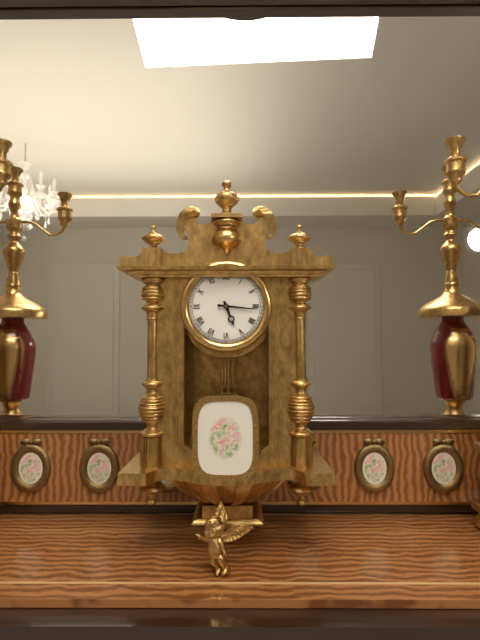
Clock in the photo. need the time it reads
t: 5:16
